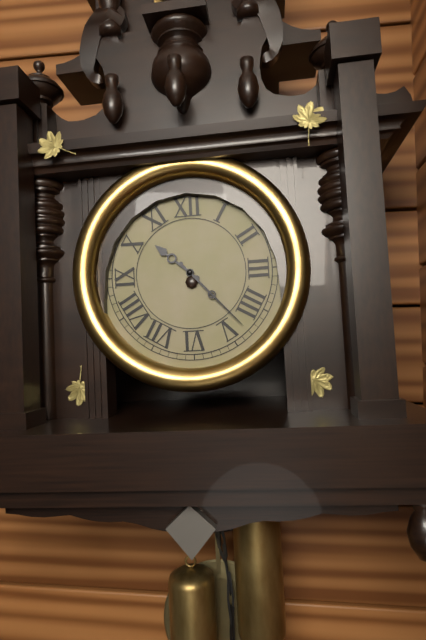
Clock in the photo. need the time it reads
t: 10:23
